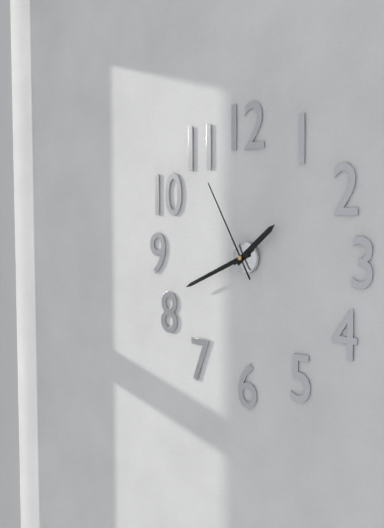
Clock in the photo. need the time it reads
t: 1:41:55
